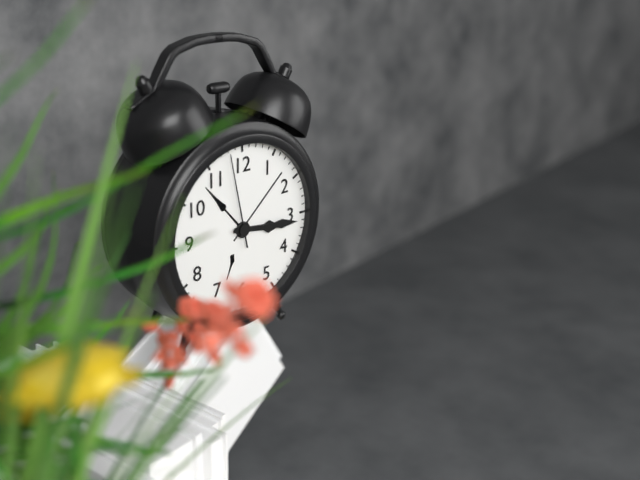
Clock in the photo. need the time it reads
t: 3:16:58
